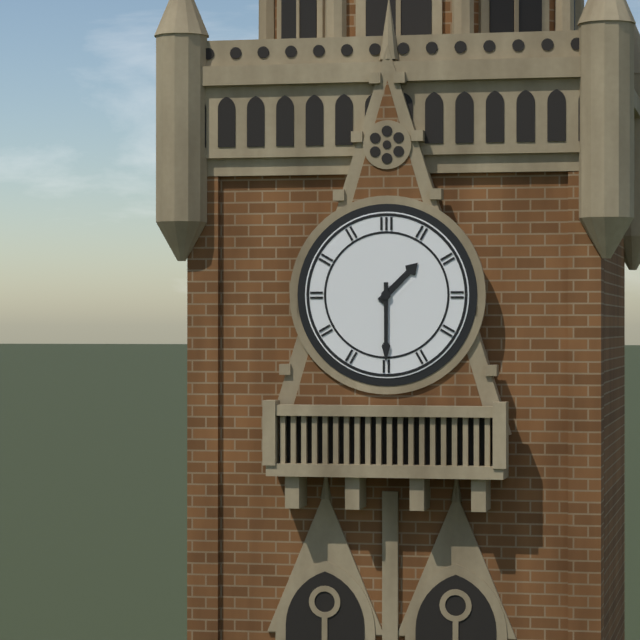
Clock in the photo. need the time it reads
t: 1:30
